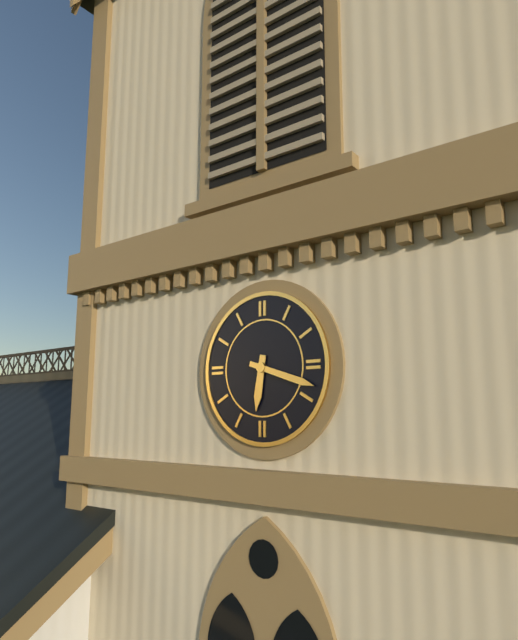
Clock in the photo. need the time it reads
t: 6:18
